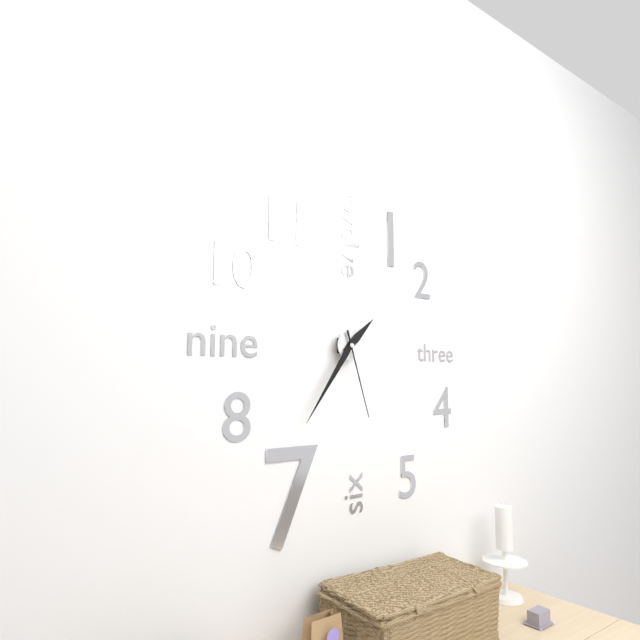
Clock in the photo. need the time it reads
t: 1:36:27
